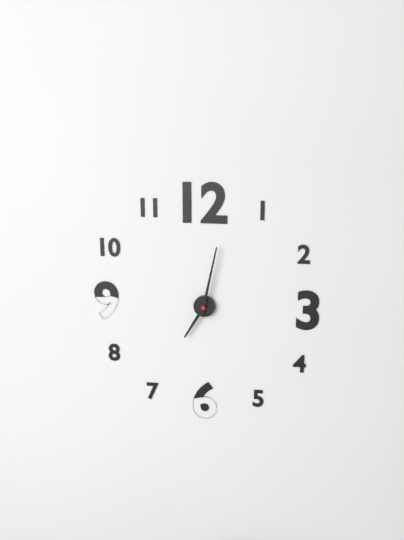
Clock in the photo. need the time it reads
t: 7:02
